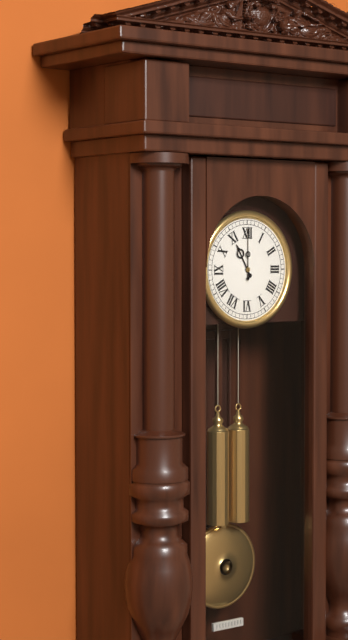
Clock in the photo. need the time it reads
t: 11:00
